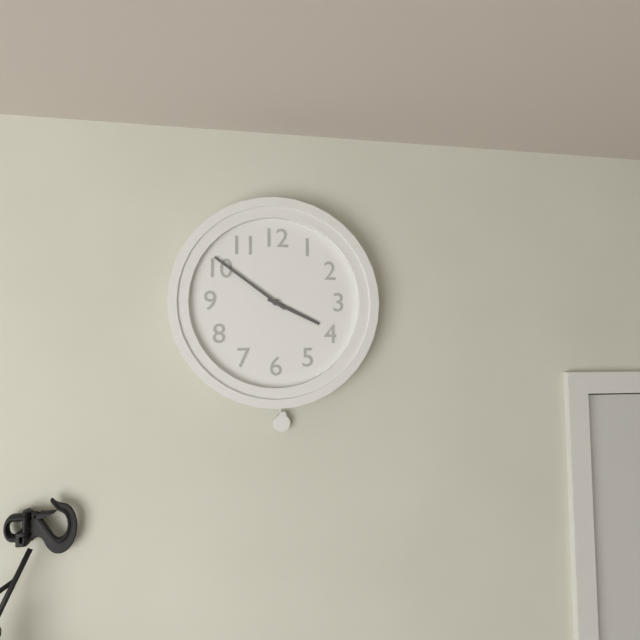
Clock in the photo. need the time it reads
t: 3:51
